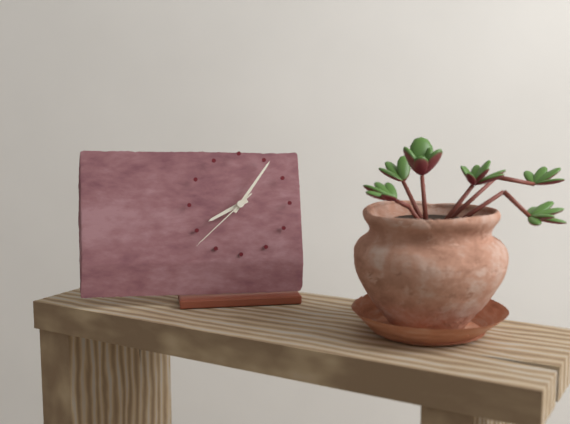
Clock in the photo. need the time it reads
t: 8:06:38
